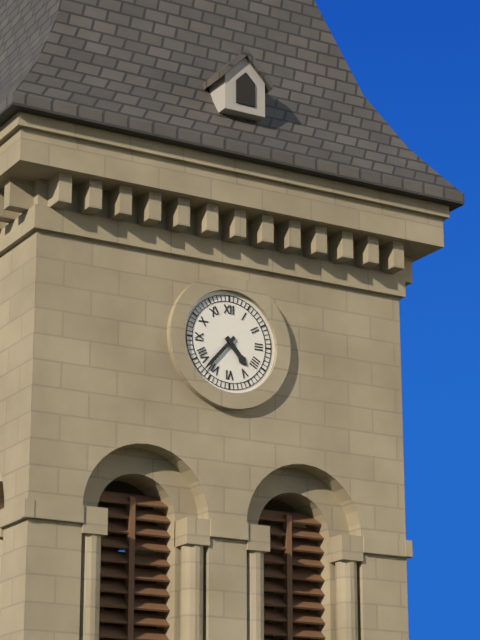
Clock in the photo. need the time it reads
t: 4:37
